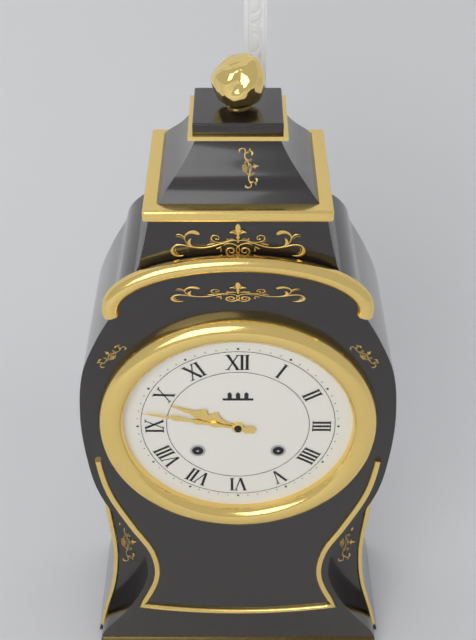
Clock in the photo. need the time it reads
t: 9:47
